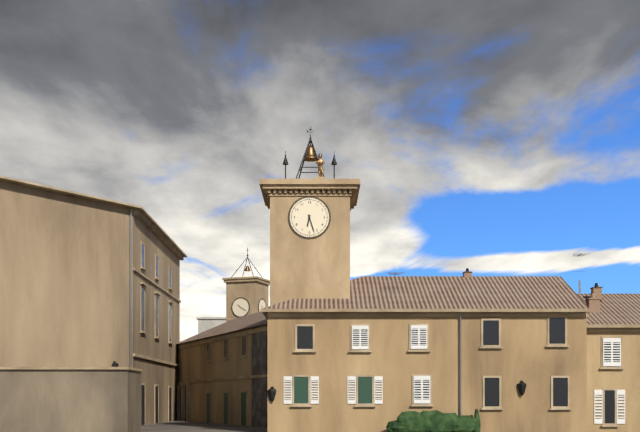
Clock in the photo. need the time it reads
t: 6:27
